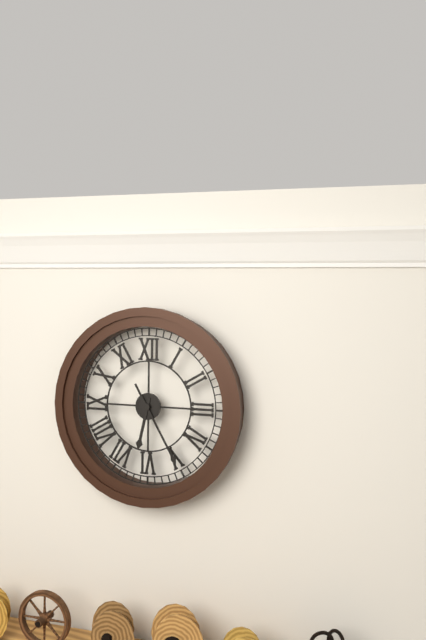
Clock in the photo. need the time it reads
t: 6:25
